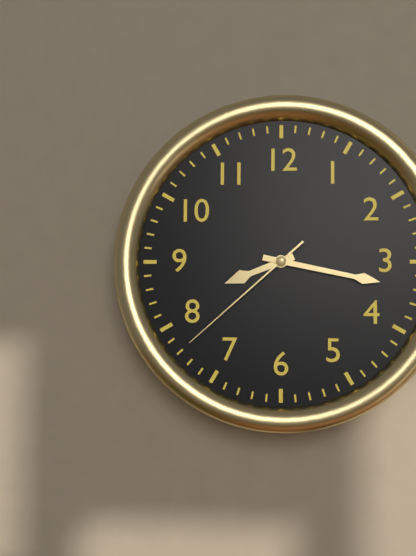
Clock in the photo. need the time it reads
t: 8:17:38
